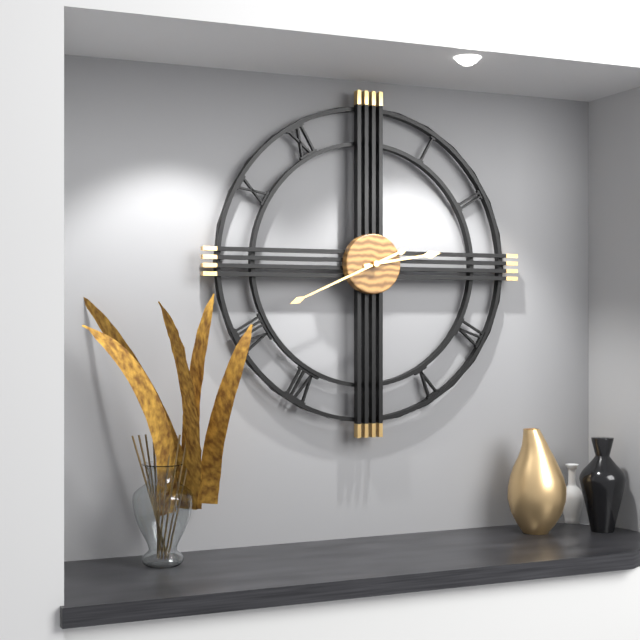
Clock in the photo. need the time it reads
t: 2:41
